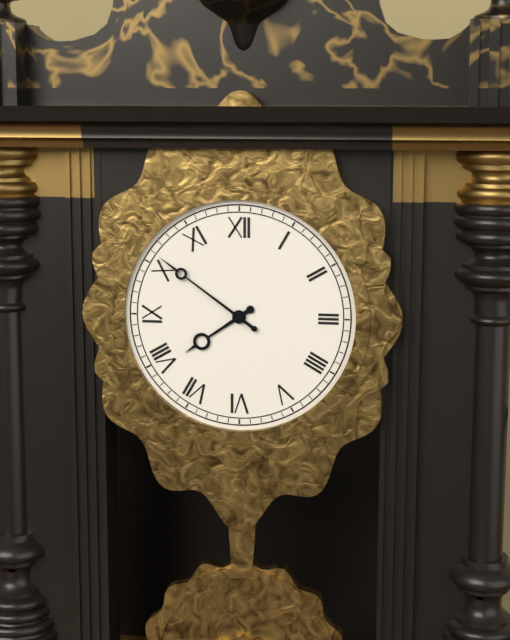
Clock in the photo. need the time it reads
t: 7:51
